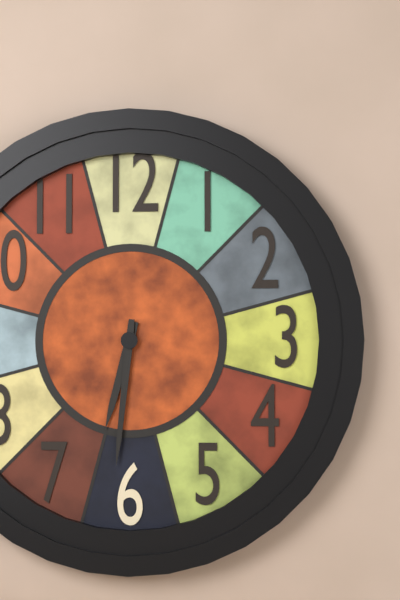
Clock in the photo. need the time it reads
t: 6:31
